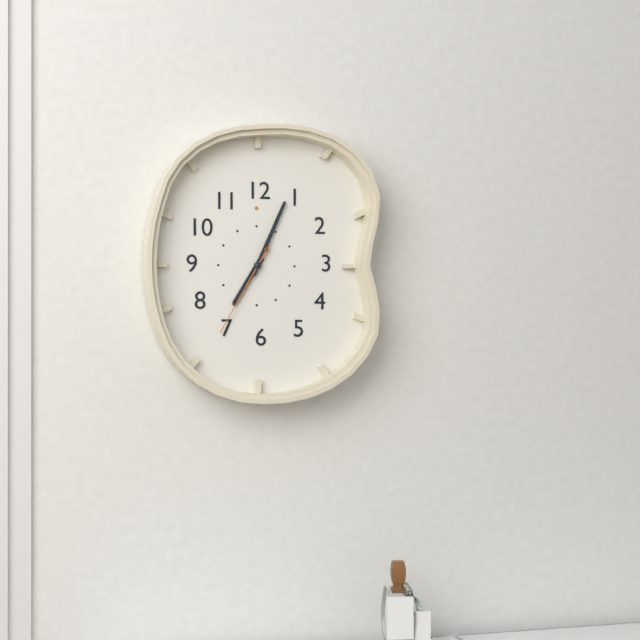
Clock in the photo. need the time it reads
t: 7:04:35
